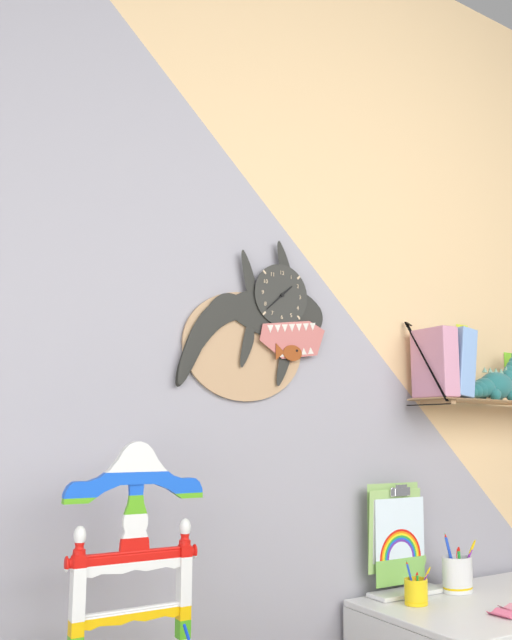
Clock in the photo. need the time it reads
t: 1:38
